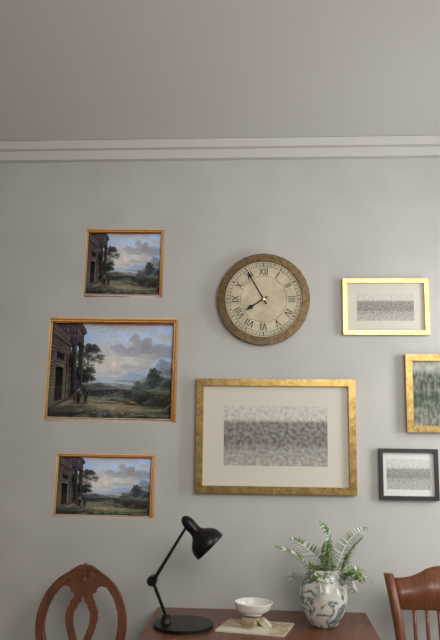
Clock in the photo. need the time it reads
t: 7:55
